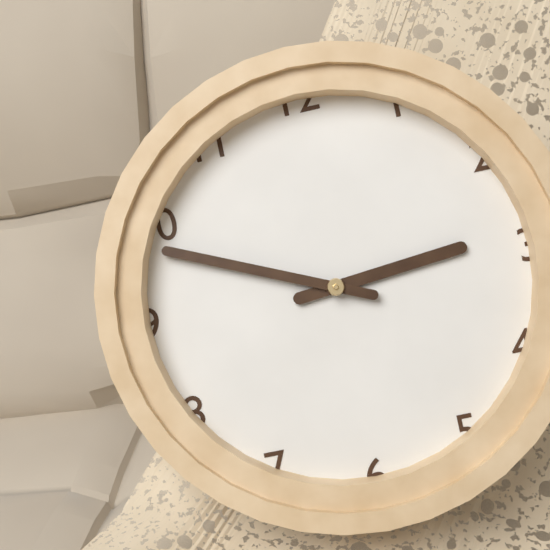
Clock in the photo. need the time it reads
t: 2:49
